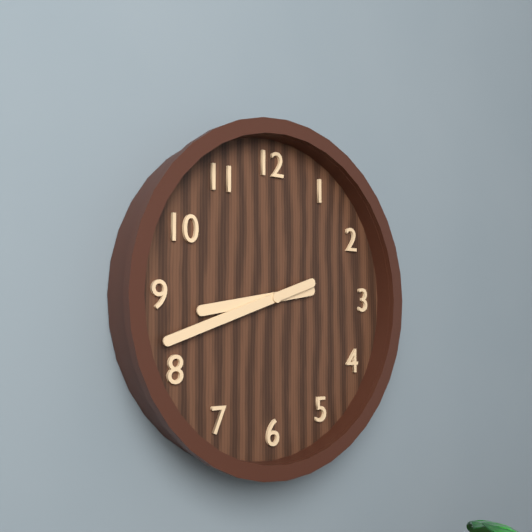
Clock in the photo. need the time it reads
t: 8:42
